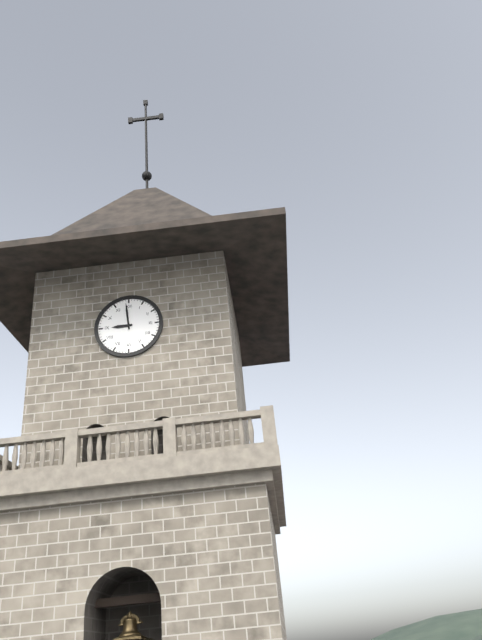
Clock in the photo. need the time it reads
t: 8:59
